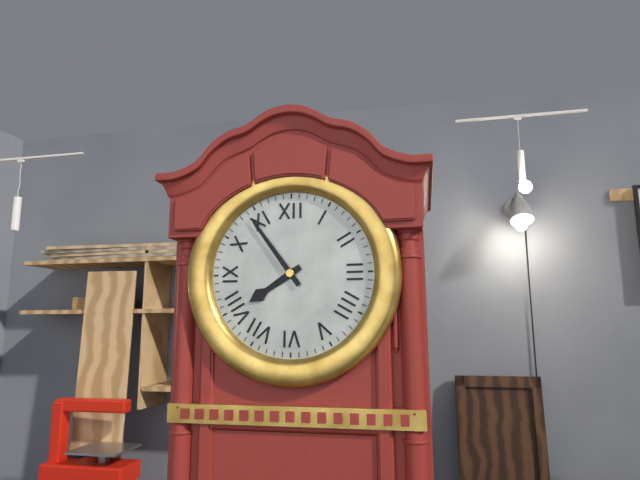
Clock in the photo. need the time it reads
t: 7:54
